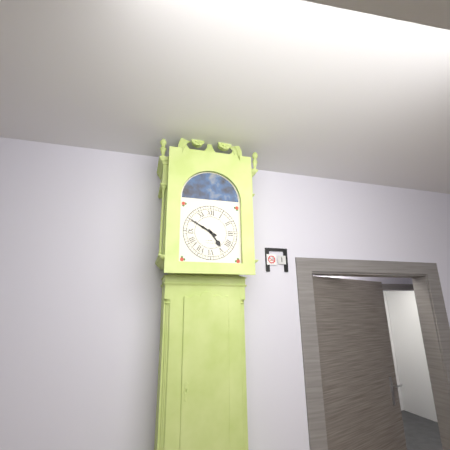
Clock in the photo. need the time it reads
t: 4:50
